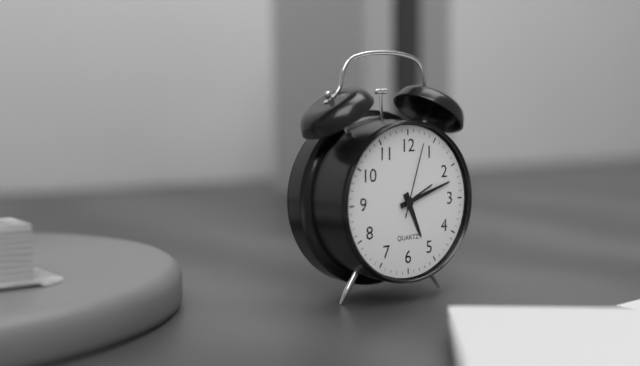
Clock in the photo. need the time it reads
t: 5:12:03
